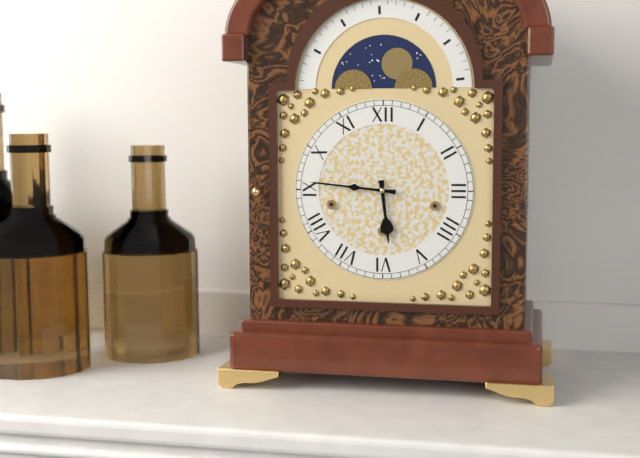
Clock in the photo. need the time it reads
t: 5:46
